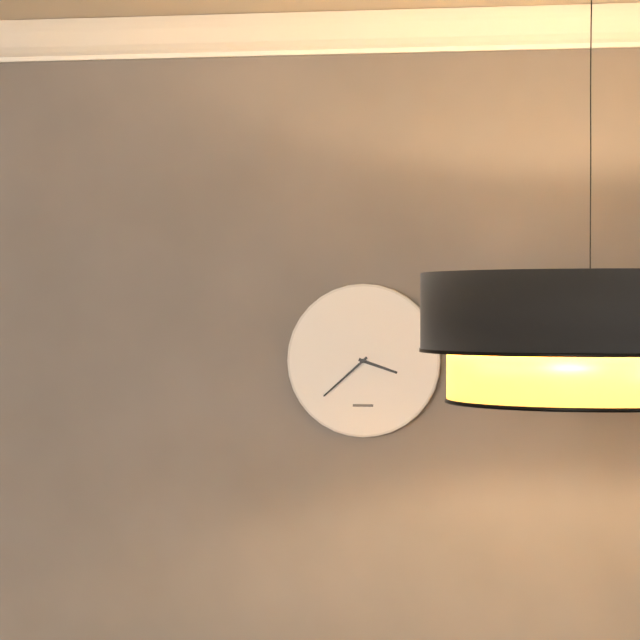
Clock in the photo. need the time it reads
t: 3:38
